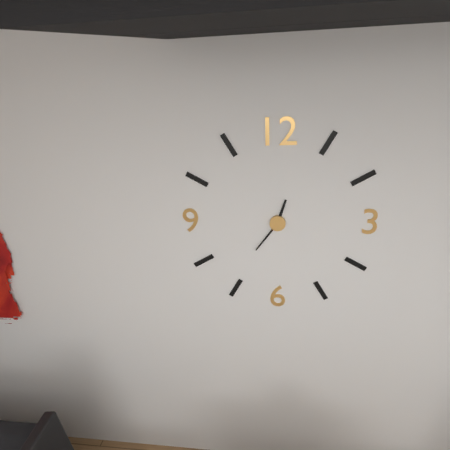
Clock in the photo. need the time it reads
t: 12:36
